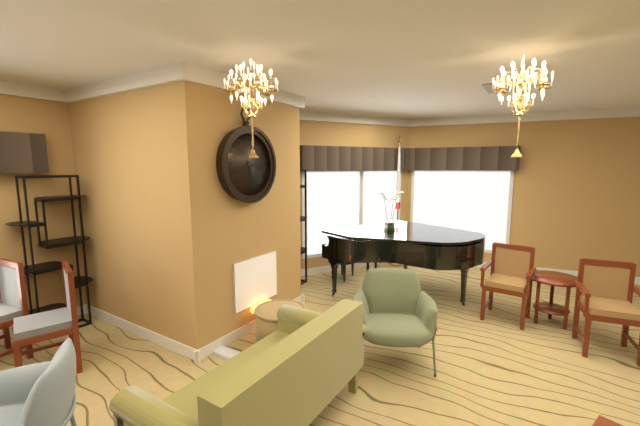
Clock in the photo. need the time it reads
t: 5:16
